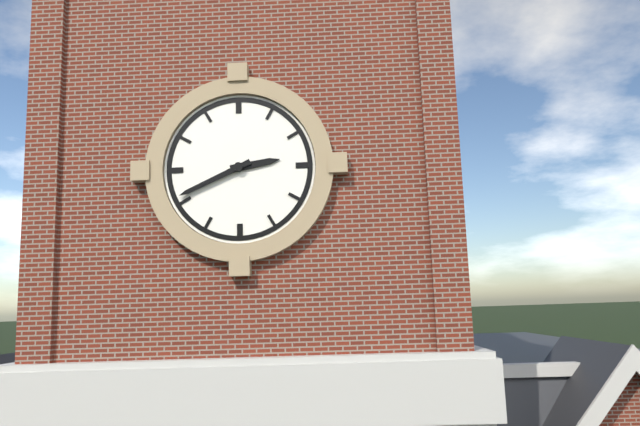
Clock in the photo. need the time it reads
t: 2:41
